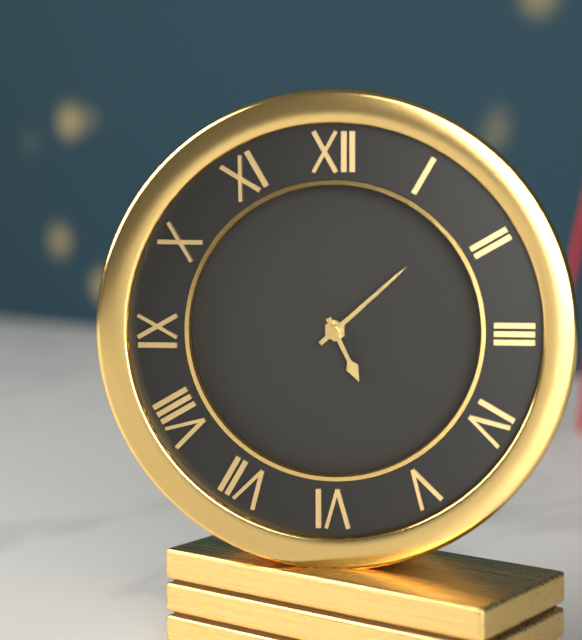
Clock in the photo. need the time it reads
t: 5:08
